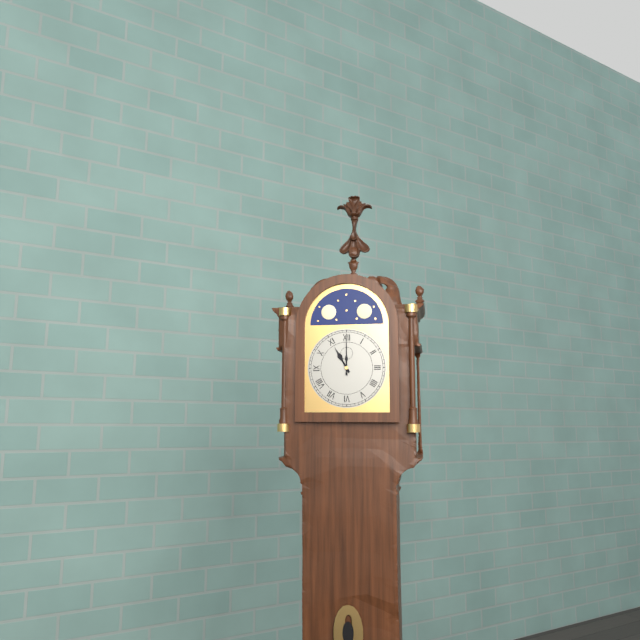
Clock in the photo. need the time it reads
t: 11:00
